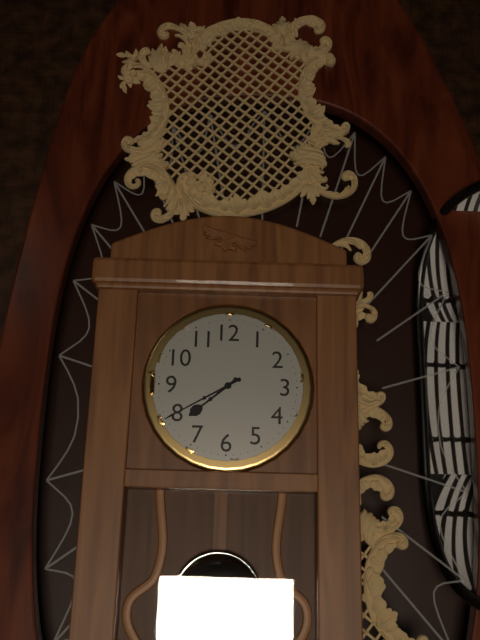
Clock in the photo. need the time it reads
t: 7:40
